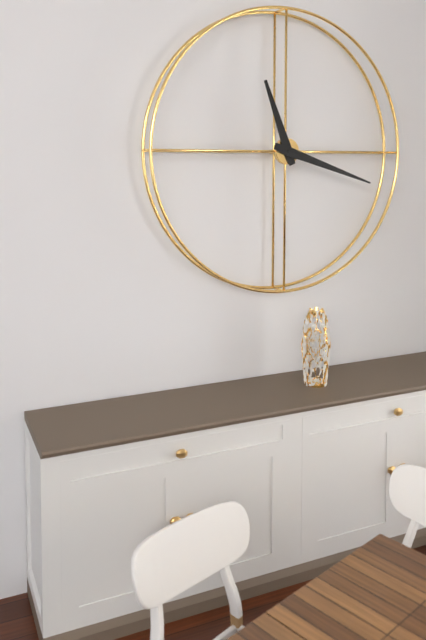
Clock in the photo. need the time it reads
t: 11:18
